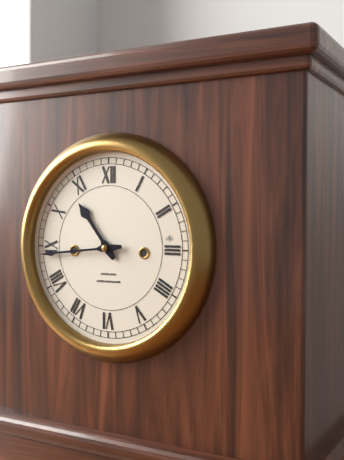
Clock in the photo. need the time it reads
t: 10:44
